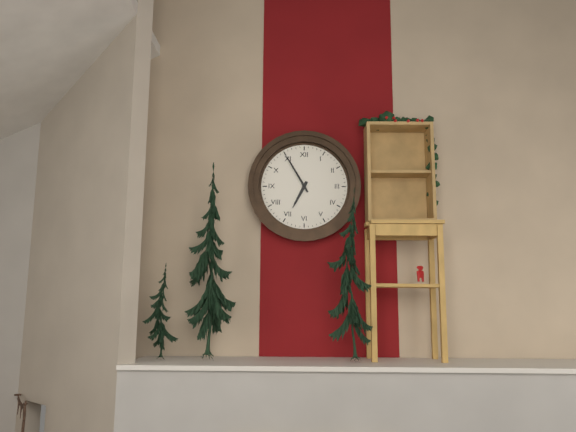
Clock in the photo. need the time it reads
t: 6:55
